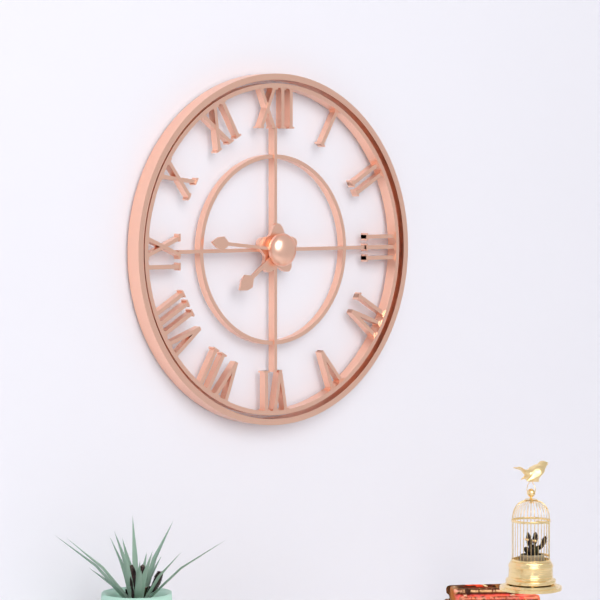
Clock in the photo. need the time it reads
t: 7:46
